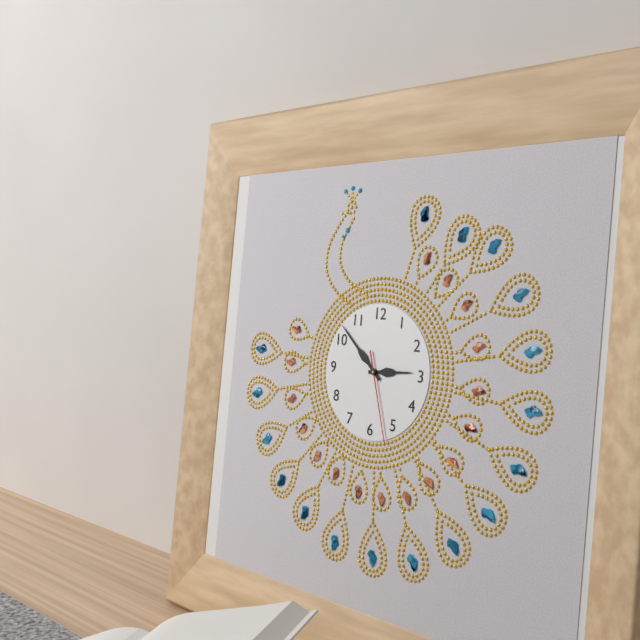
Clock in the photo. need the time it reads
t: 2:52:27
